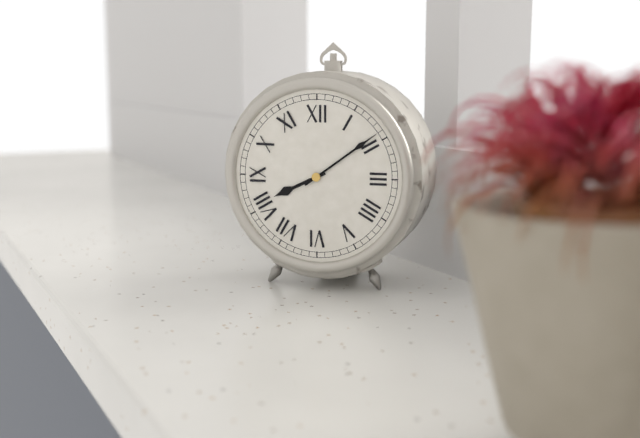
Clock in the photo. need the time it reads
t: 8:09
